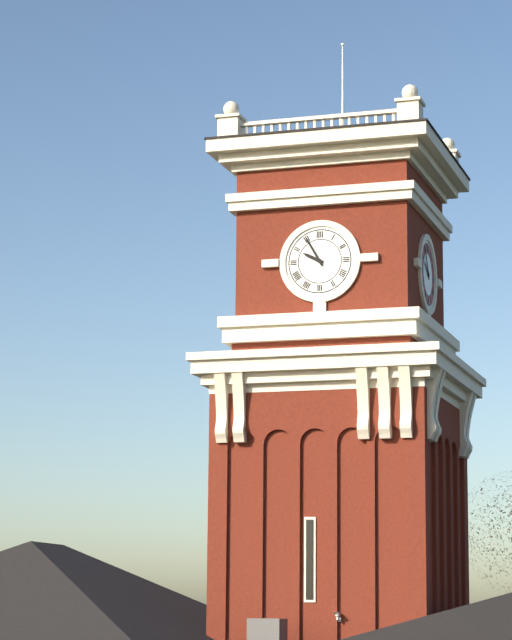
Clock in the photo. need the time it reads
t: 9:55
